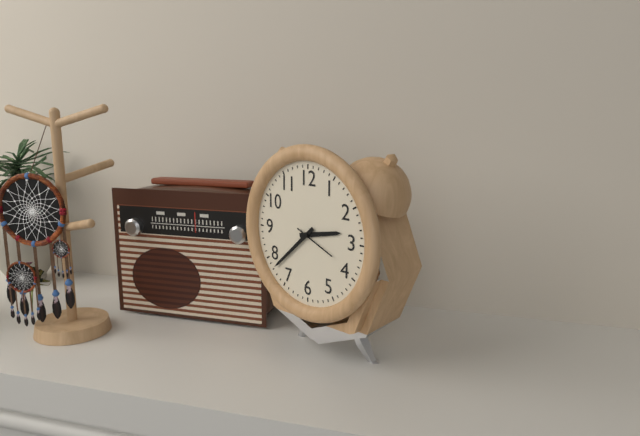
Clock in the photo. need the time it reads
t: 2:38
